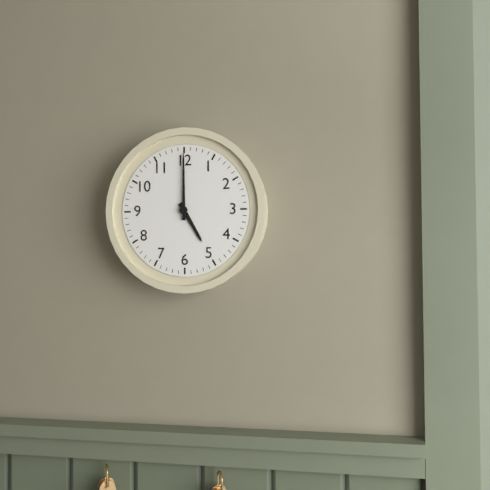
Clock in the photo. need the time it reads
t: 5:00
